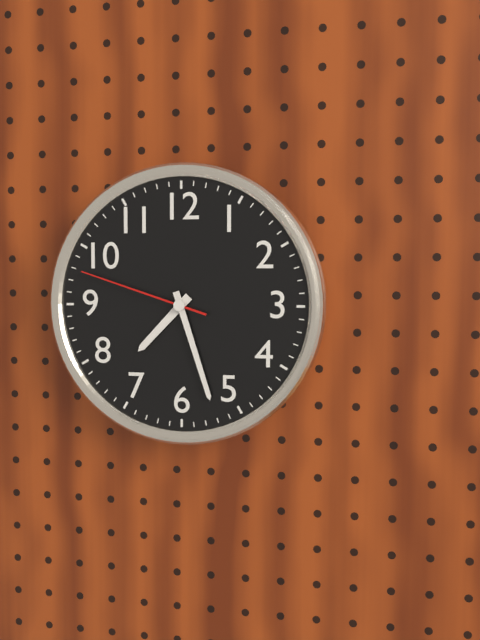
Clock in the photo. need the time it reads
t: 7:27:48
